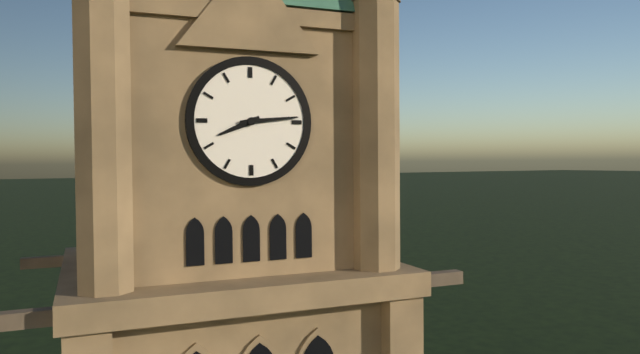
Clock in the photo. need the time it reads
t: 8:14
